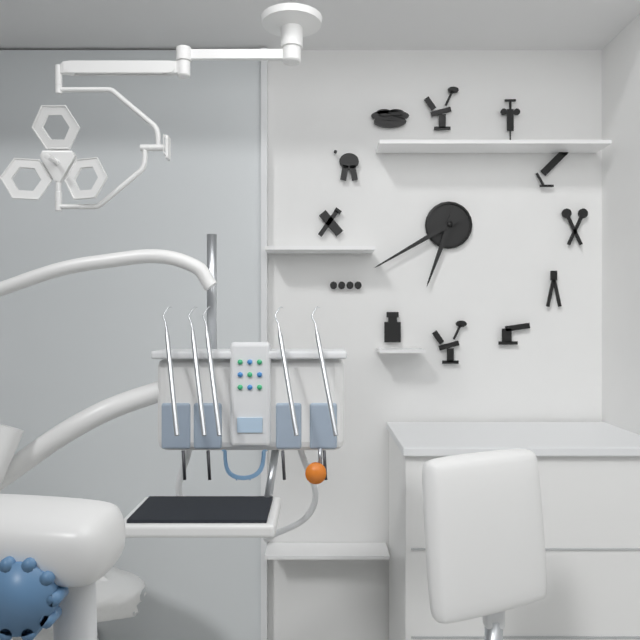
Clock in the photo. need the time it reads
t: 6:40
